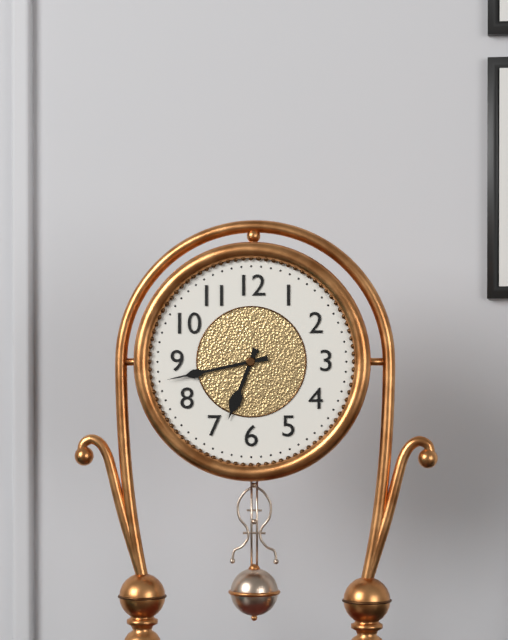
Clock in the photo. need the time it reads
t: 6:43
